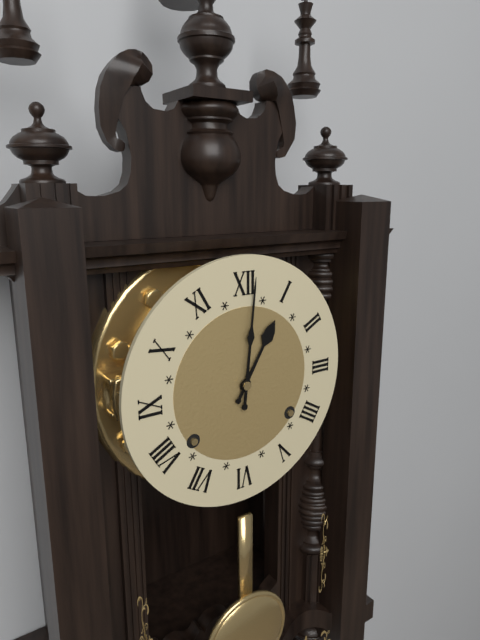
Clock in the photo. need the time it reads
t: 1:01
